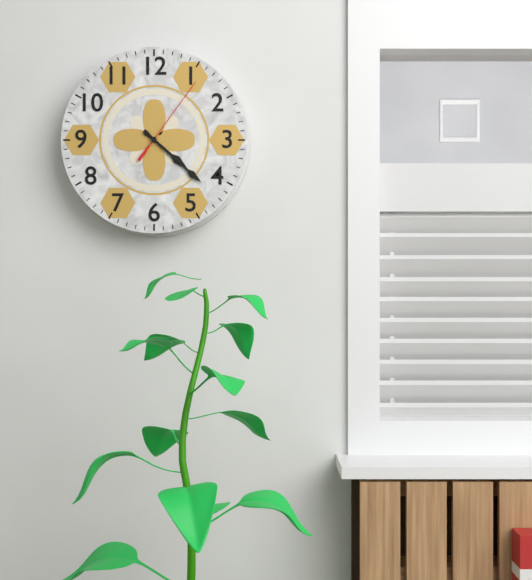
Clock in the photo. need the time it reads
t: 4:22:06
